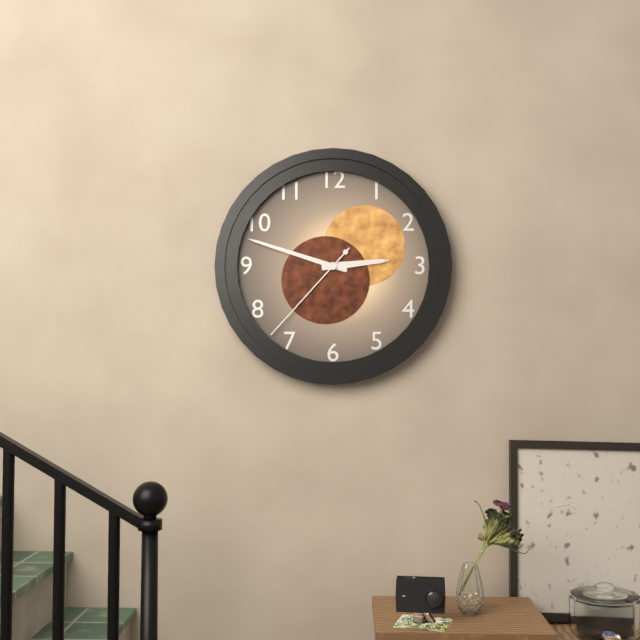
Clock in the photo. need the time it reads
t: 2:48:37
